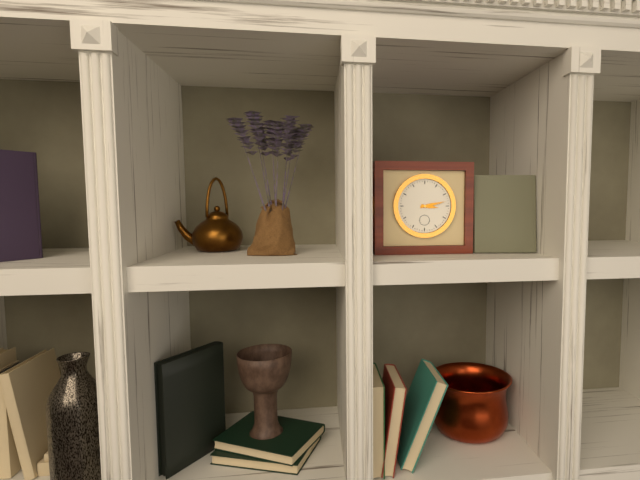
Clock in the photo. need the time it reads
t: 3:13
